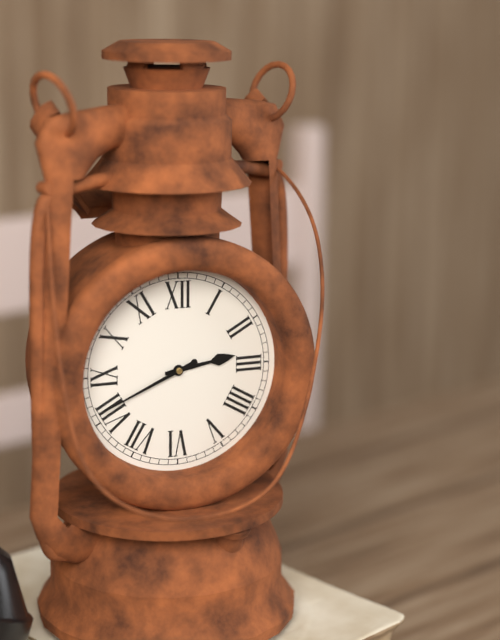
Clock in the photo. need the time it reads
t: 2:41
